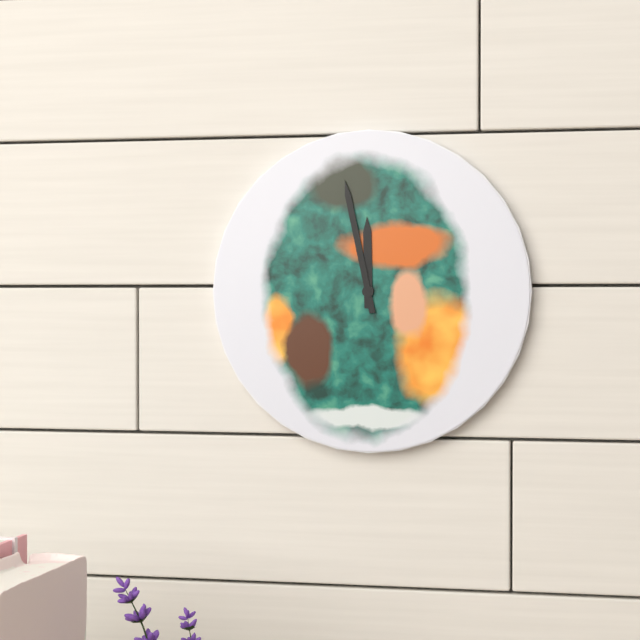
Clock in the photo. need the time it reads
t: 11:58
